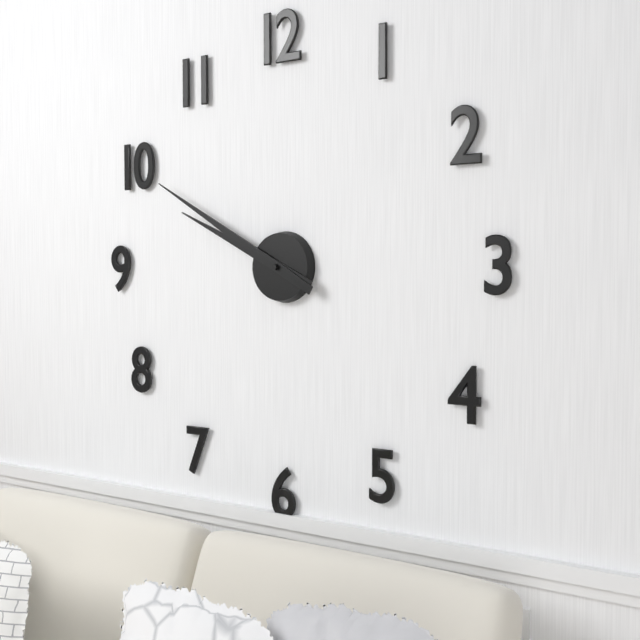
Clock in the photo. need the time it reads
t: 9:50
